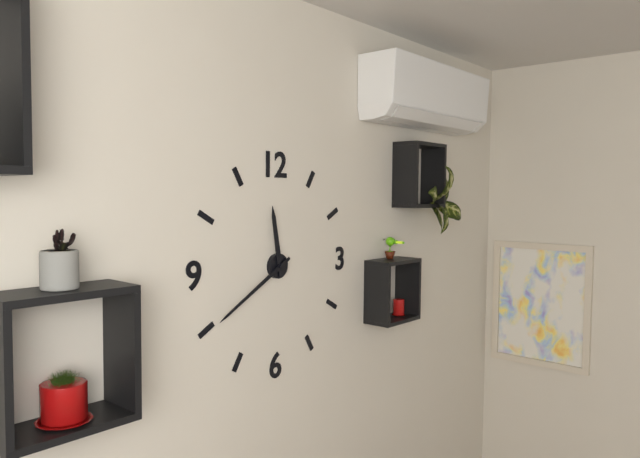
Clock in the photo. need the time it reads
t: 11:40
